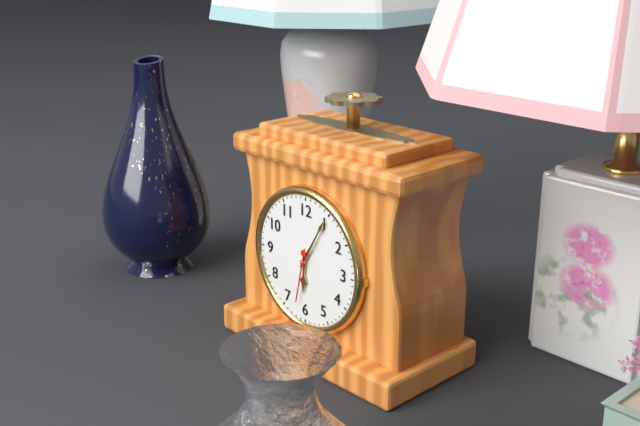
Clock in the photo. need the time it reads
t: 6:05:32
